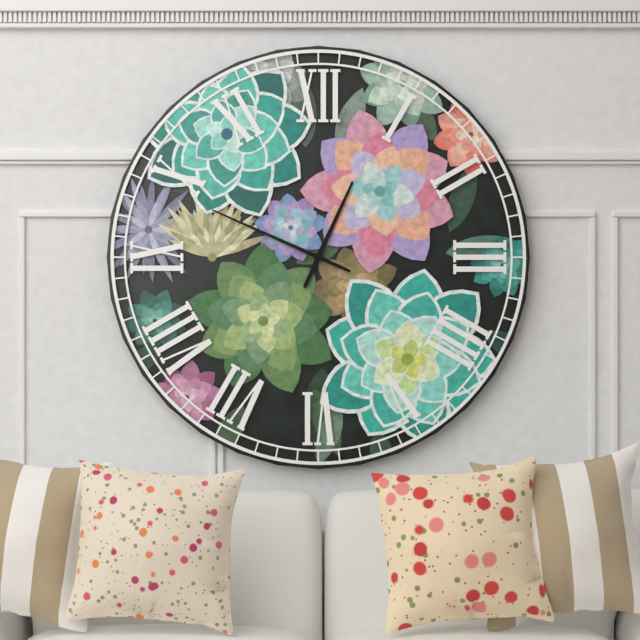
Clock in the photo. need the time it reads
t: 12:49
